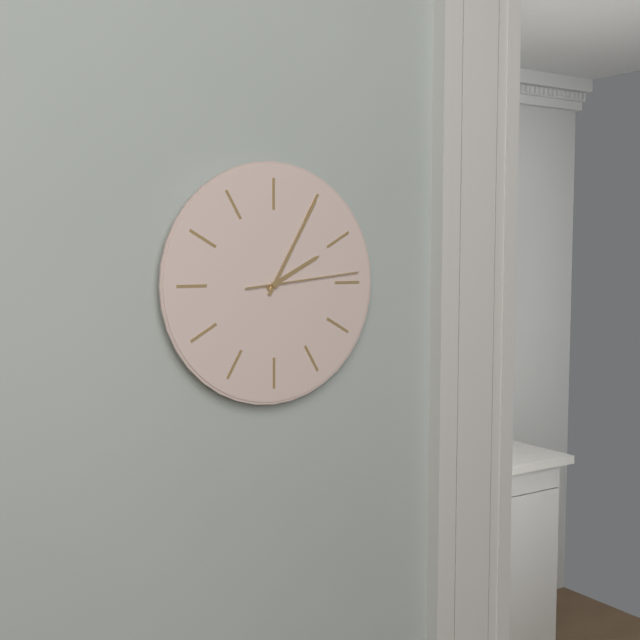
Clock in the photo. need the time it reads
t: 2:05:14
